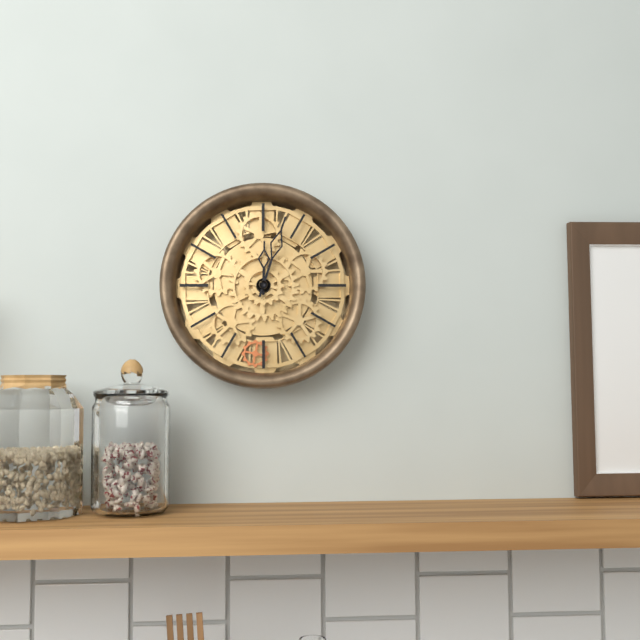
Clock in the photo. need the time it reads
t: 12:03
